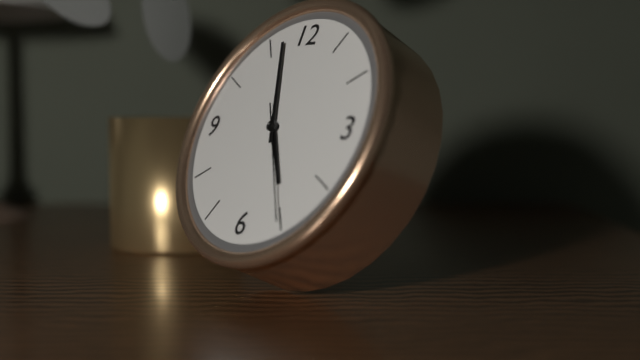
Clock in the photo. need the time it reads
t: 4:57:25
